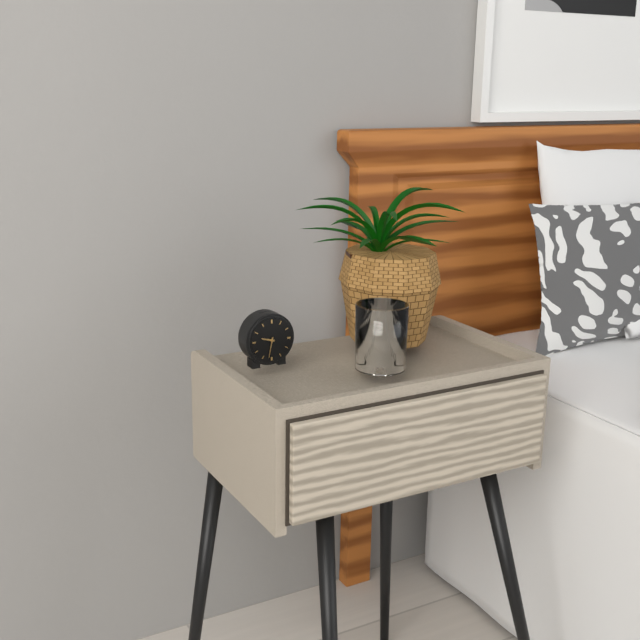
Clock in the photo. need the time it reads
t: 9:32
